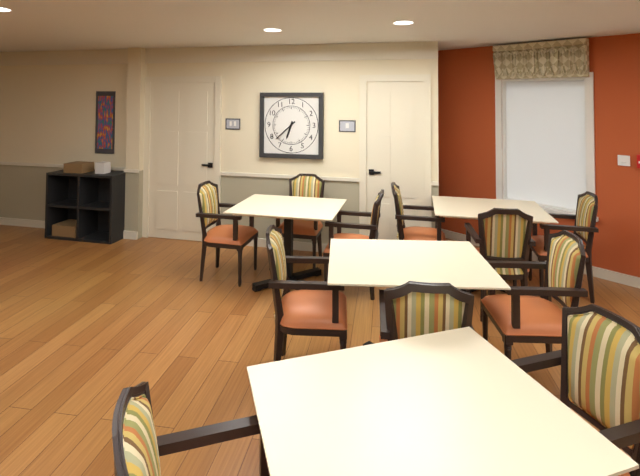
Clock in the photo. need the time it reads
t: 6:38
